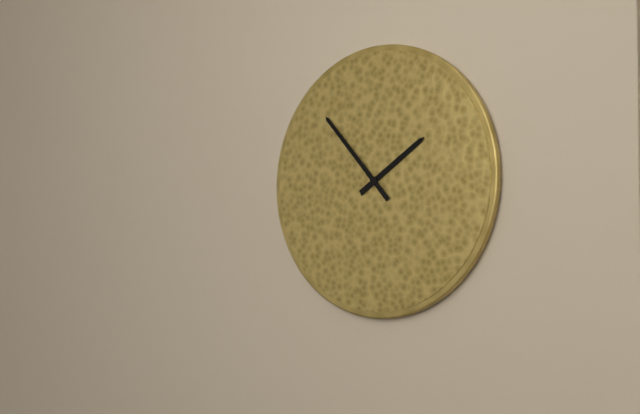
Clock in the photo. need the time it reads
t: 1:53
